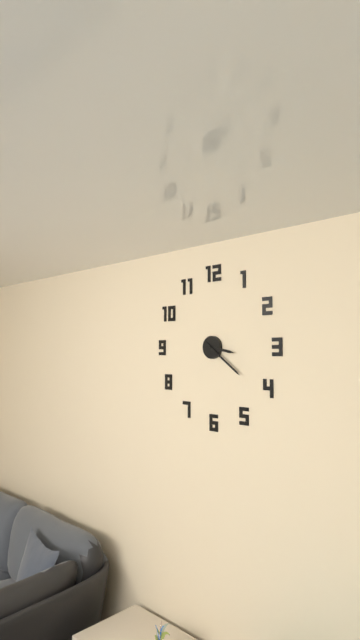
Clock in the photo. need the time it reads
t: 3:21
